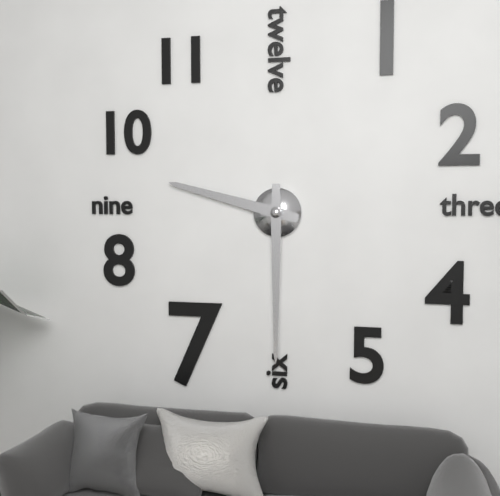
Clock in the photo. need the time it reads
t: 9:30
